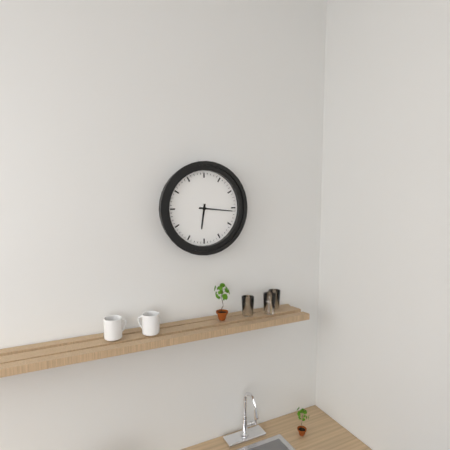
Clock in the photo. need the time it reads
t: 6:16
